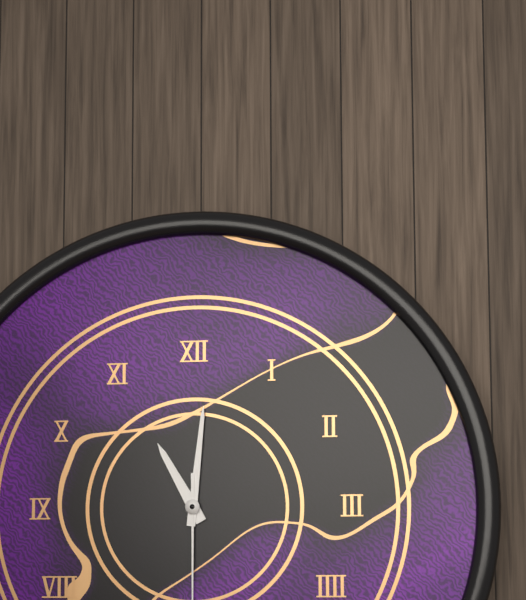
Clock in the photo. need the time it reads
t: 11:01
